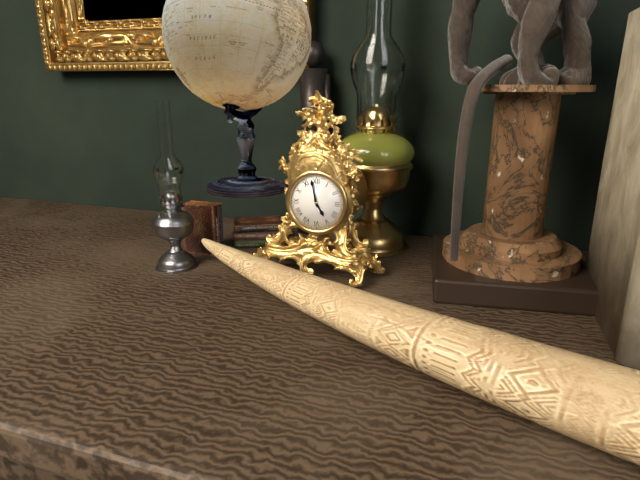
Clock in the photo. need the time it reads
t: 4:58
